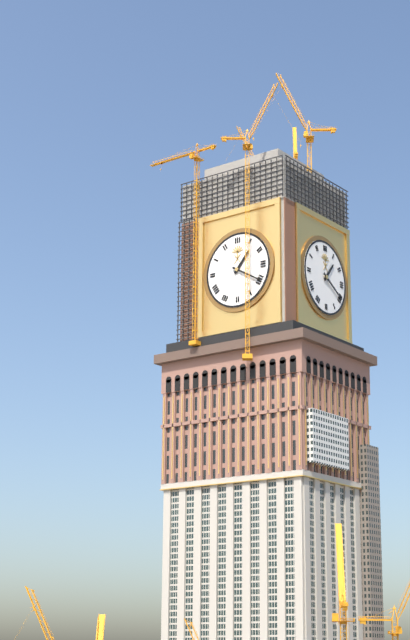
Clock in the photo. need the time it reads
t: 1:20
